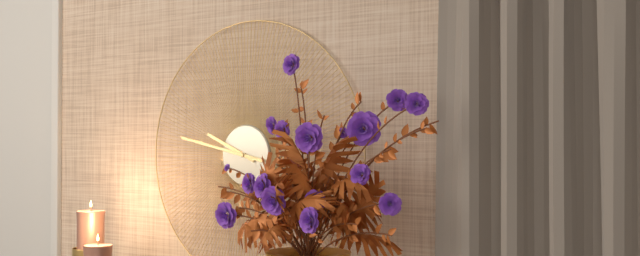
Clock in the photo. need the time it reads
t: 9:47
